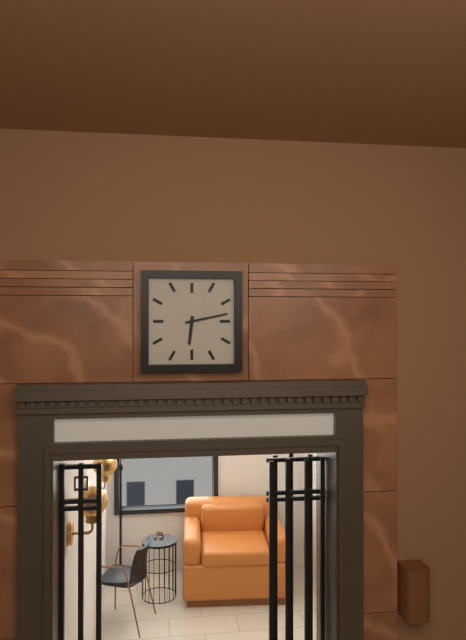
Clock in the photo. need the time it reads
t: 6:13
